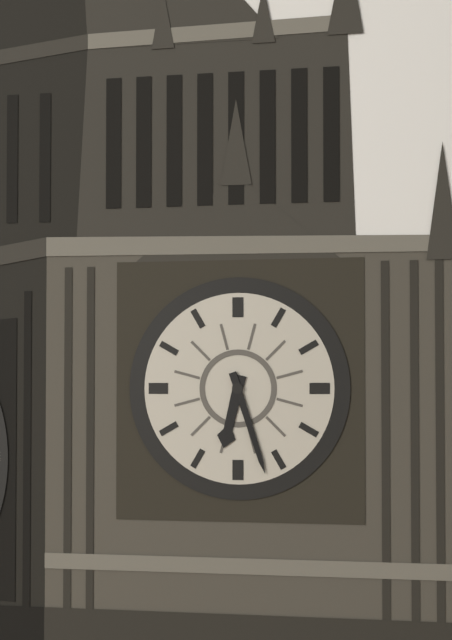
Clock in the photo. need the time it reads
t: 6:27
